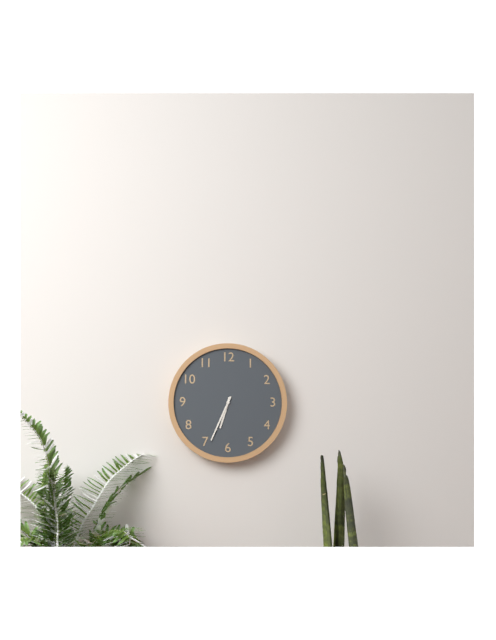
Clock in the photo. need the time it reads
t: 6:34
